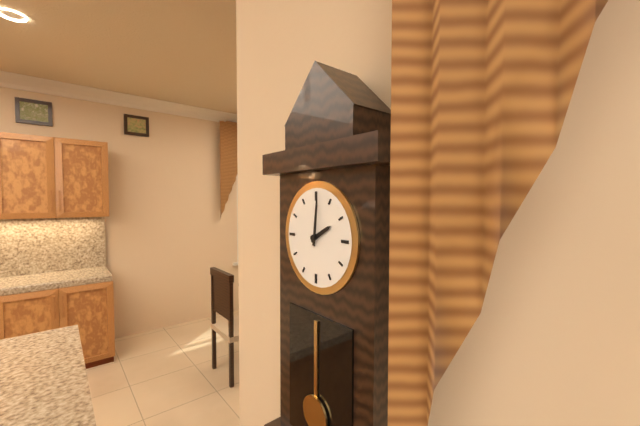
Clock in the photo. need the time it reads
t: 2:01
